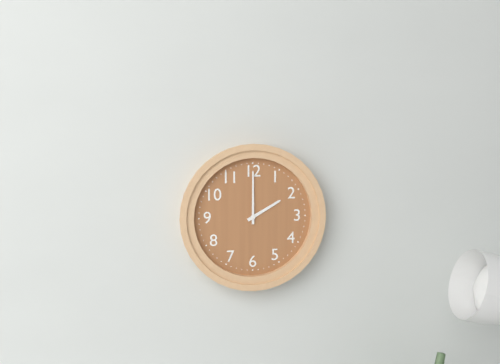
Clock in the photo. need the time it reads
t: 2:00
